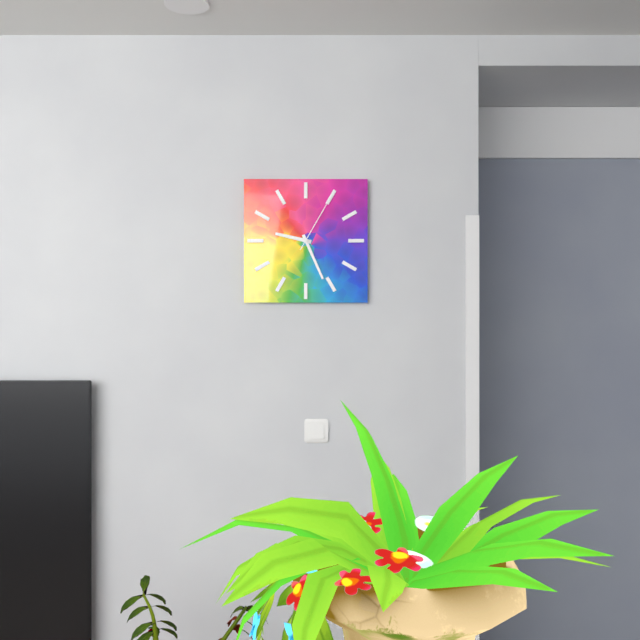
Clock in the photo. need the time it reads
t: 9:26:05
